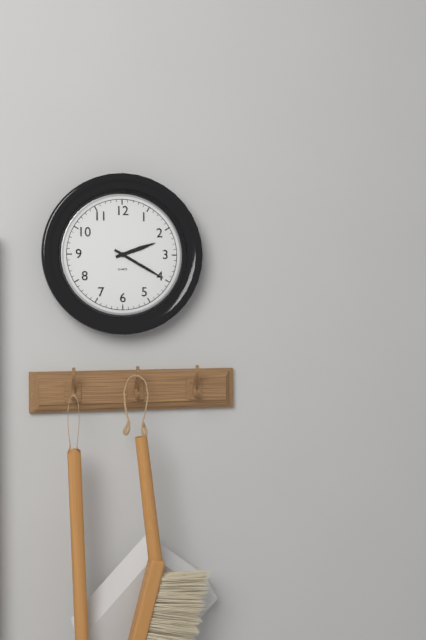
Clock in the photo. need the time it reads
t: 2:20
